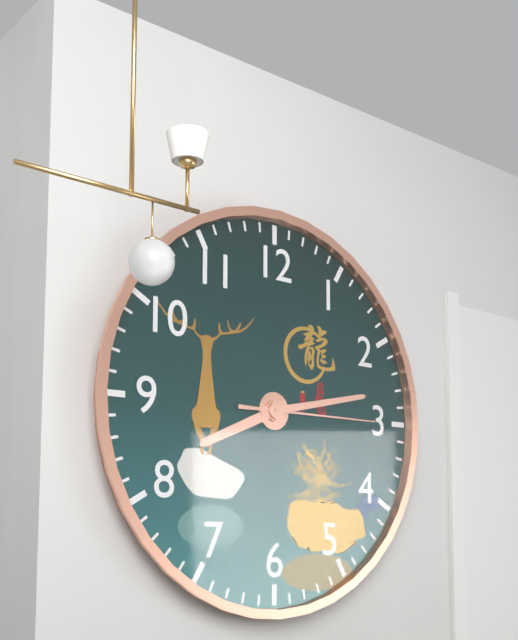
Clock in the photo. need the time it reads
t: 8:13:15
